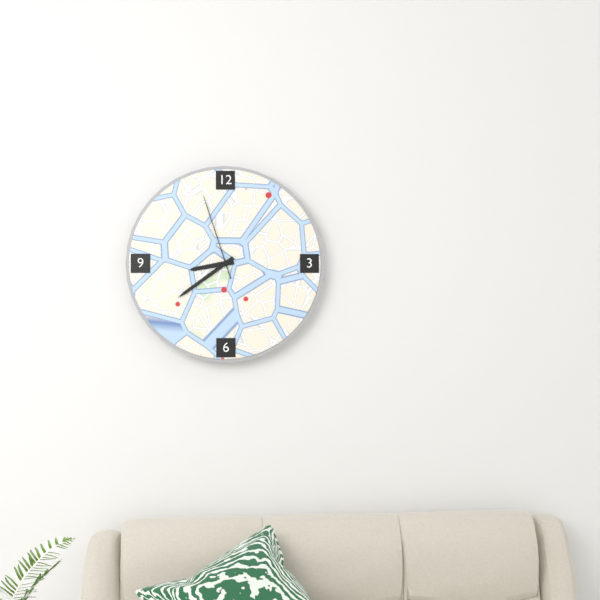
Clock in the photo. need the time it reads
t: 8:39:57
